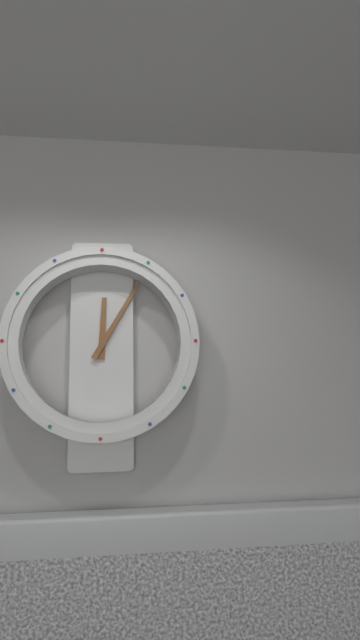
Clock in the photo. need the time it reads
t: 12:05
